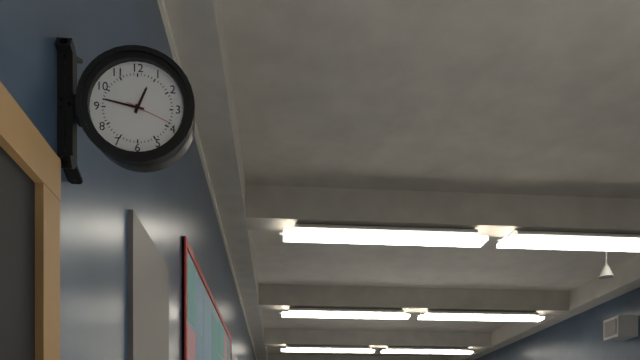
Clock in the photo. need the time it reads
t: 12:47
